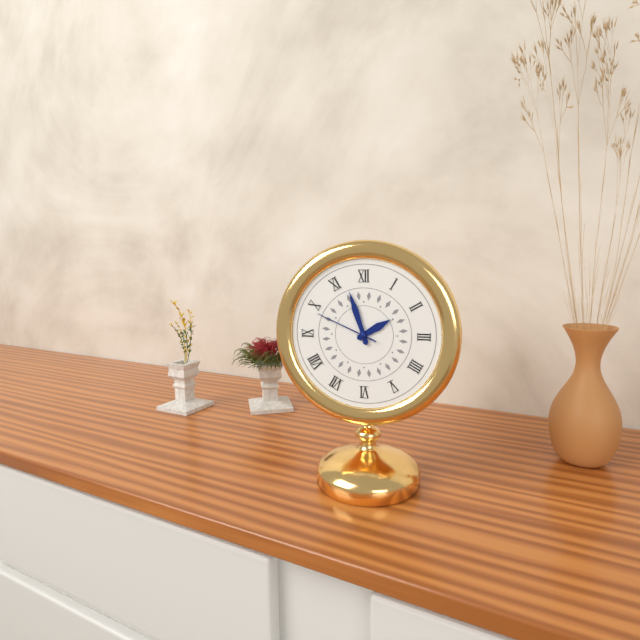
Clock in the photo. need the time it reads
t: 1:57:49
